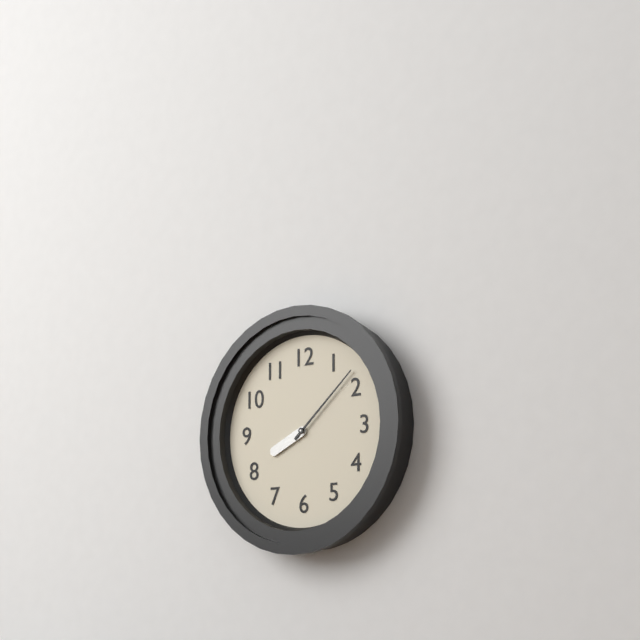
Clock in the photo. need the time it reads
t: 8:08
